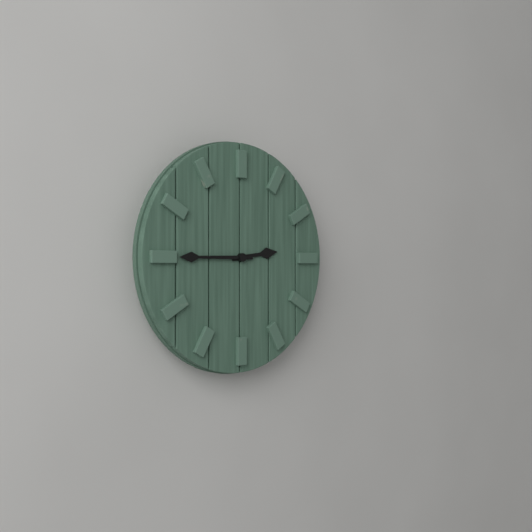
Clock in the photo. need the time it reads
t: 2:45
